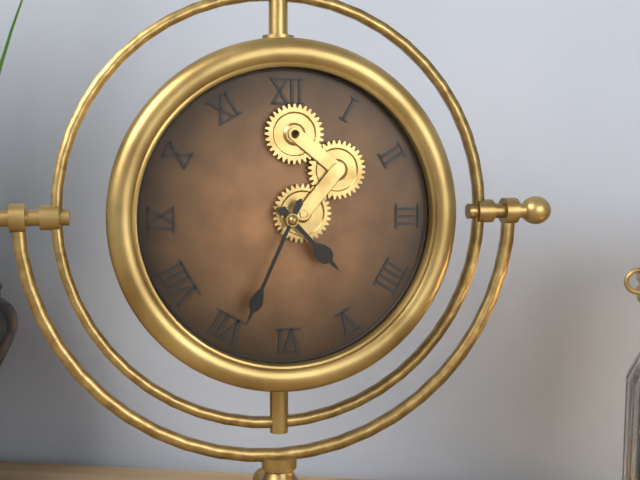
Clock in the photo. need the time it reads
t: 4:34
